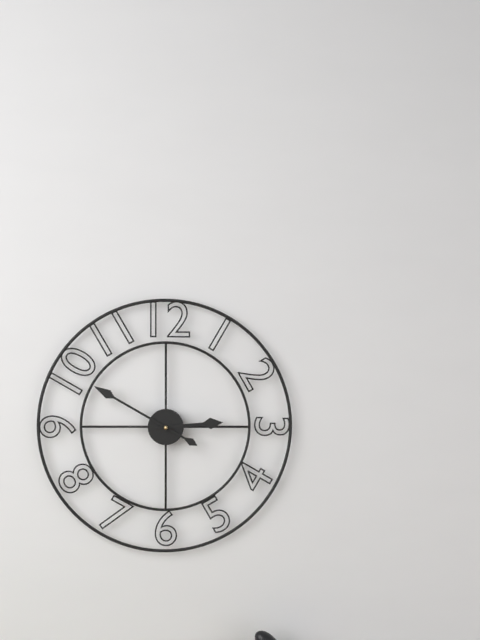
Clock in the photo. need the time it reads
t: 2:50
